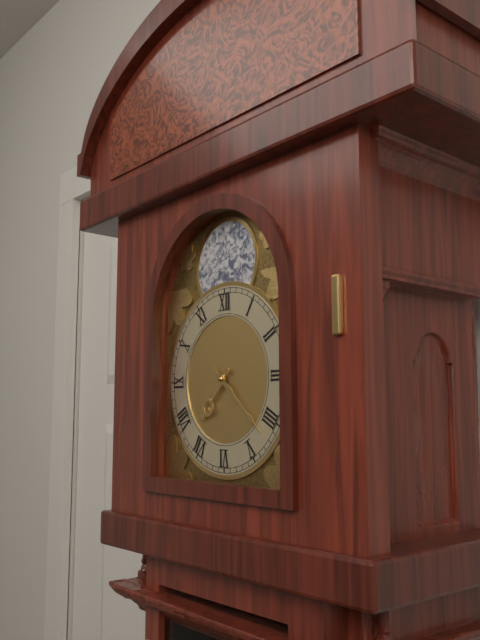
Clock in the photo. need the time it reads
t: 7:22
